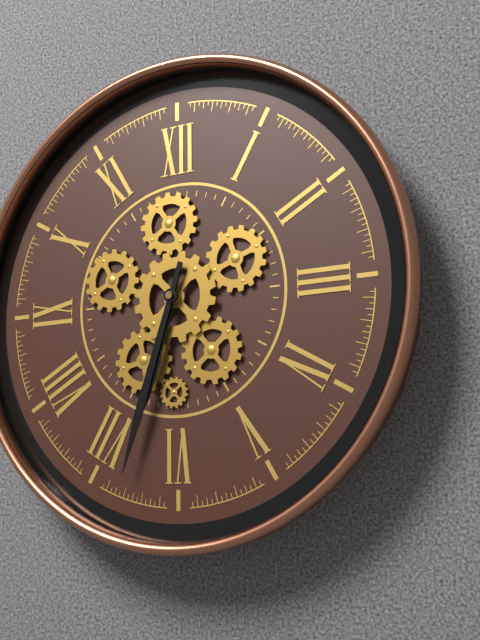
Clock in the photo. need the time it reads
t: 6:33
